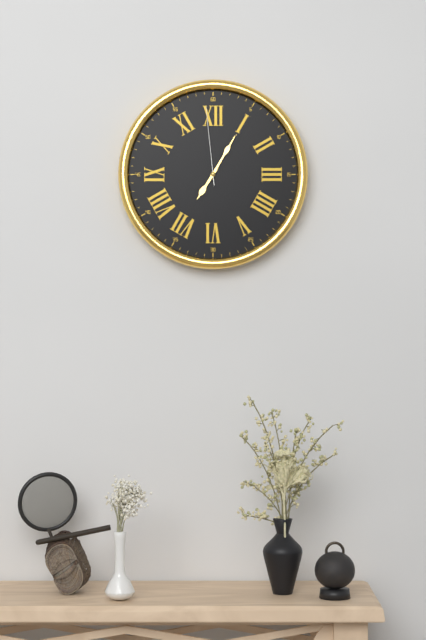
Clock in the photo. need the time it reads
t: 7:05:59
